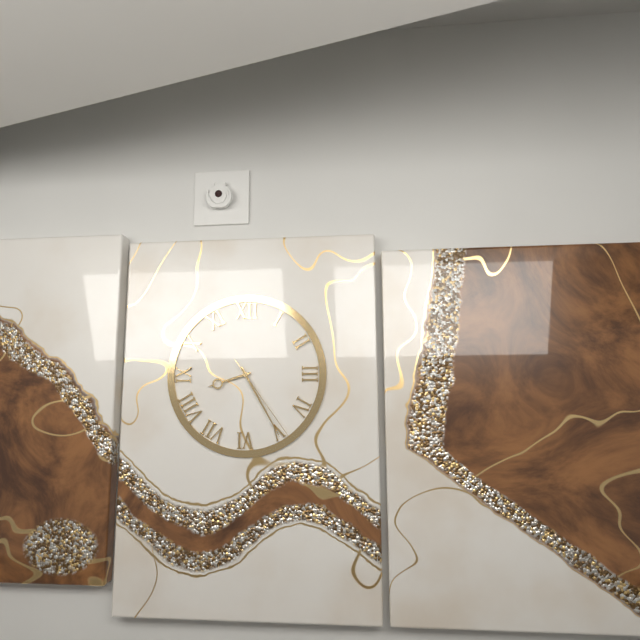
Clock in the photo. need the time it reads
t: 8:25:24
